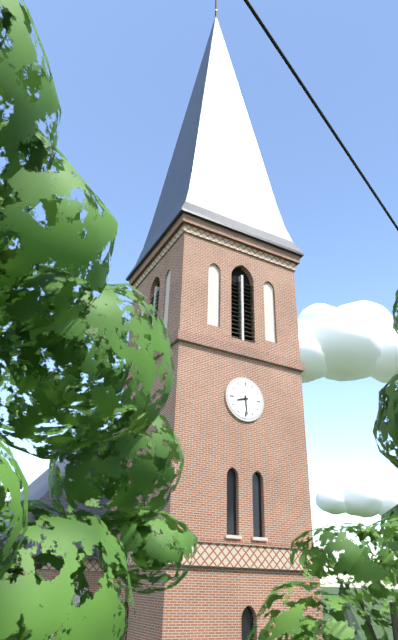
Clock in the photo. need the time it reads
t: 8:29
